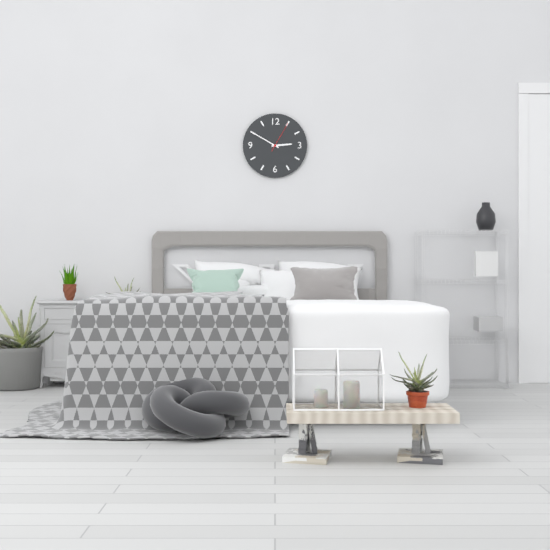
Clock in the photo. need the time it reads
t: 2:50
